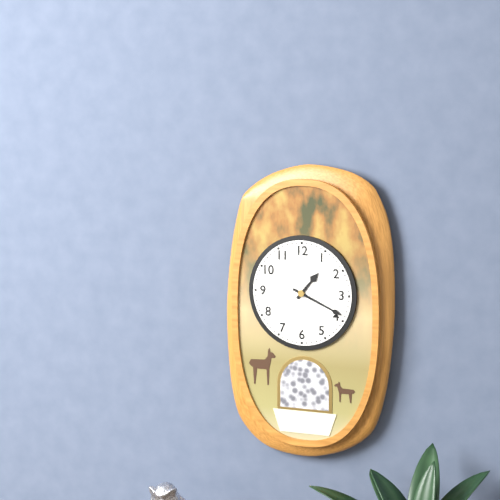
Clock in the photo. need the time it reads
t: 1:19
